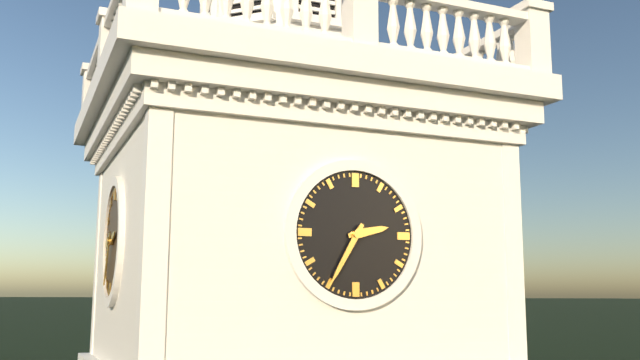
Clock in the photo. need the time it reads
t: 2:35
